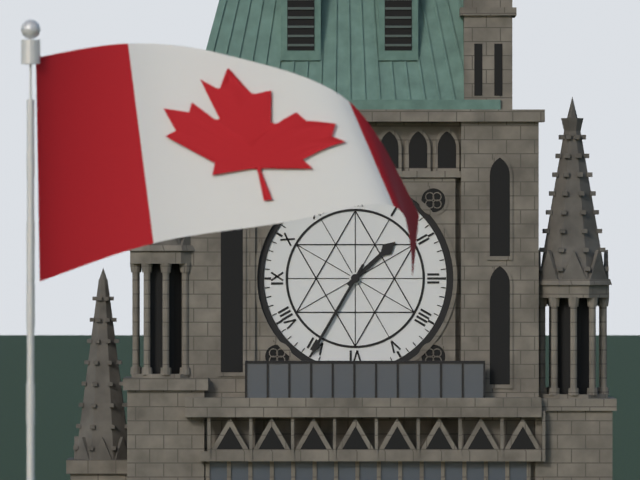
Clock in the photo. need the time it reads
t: 1:35
